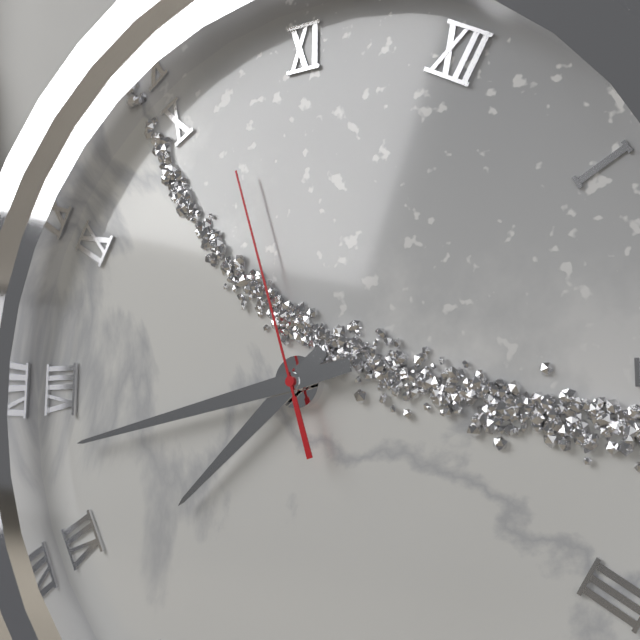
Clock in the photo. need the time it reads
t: 6:38:52
